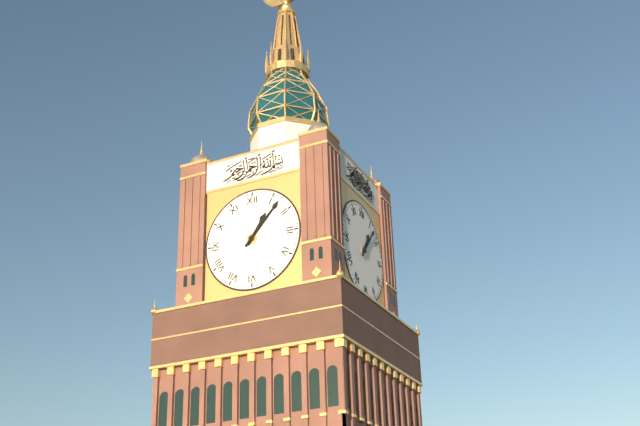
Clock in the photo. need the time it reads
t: 1:07
